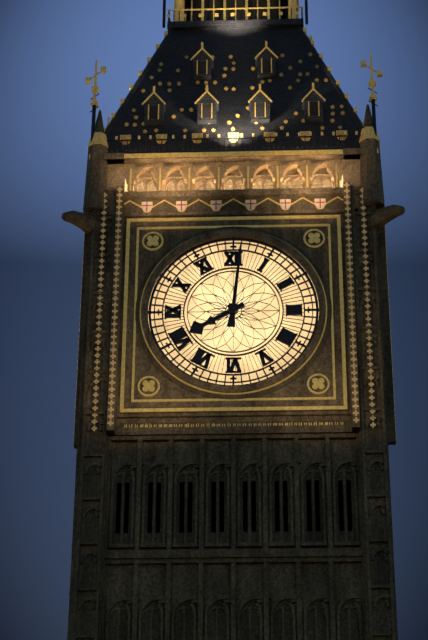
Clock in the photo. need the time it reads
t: 8:01
